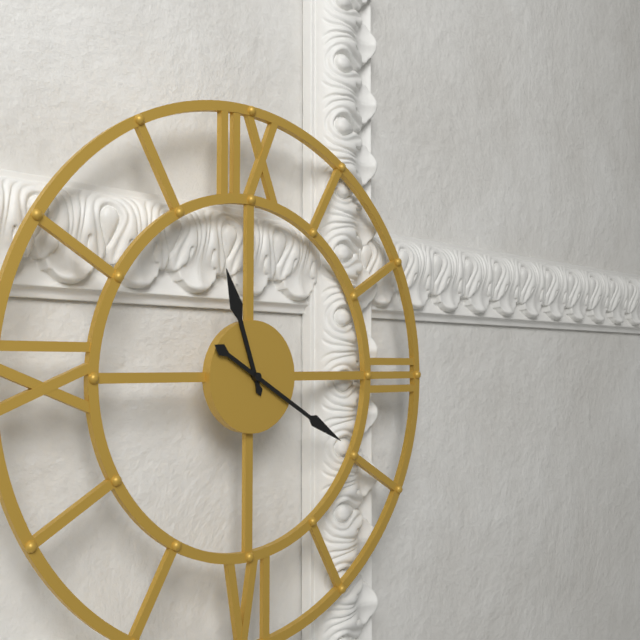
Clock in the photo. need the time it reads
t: 11:20
